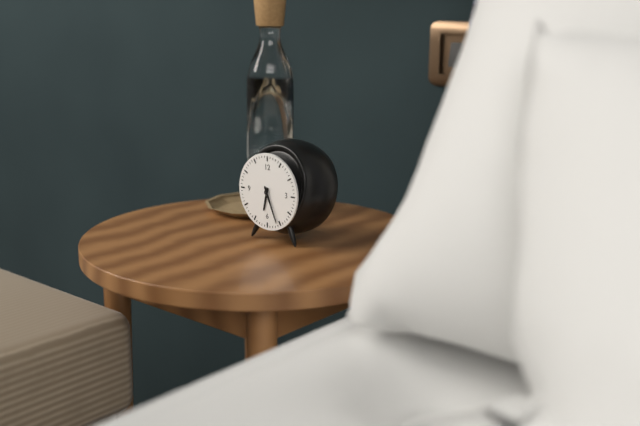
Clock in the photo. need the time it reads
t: 6:26
